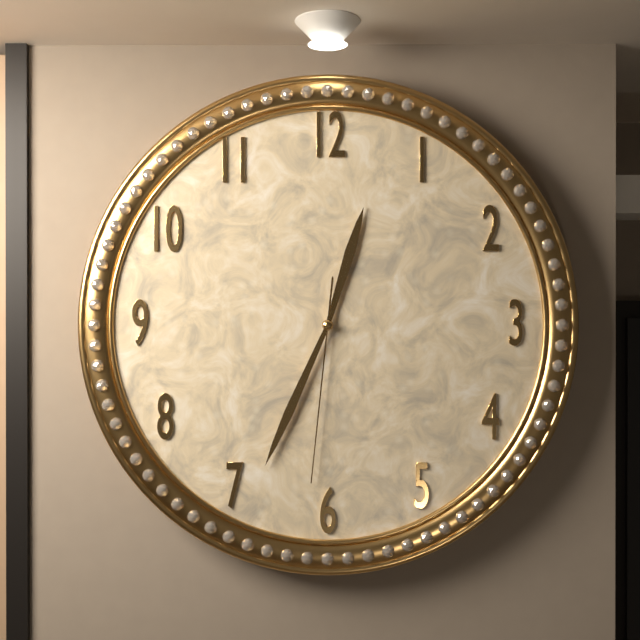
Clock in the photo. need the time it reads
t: 12:34:31
